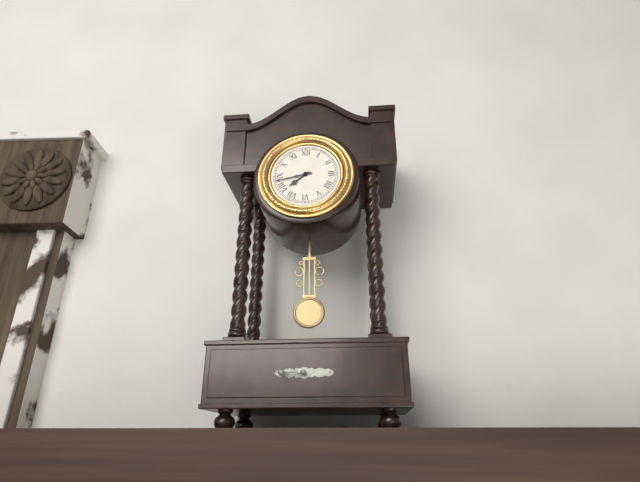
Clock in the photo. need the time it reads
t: 7:43
